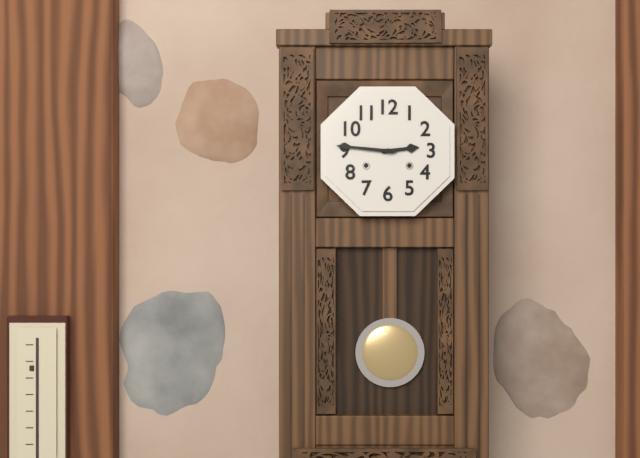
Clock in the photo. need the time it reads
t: 2:46
